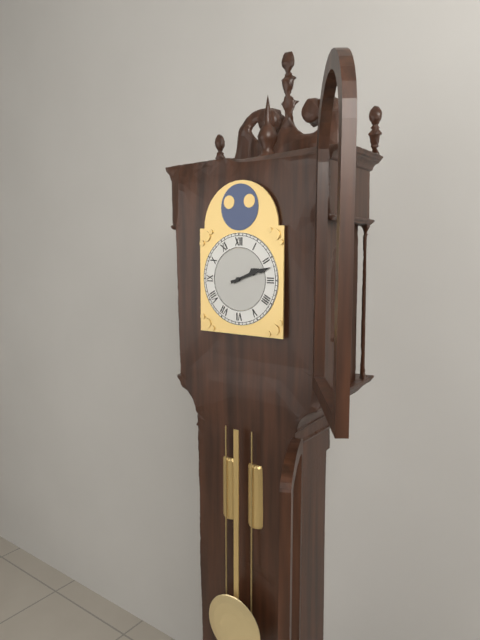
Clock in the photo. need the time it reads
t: 2:12
